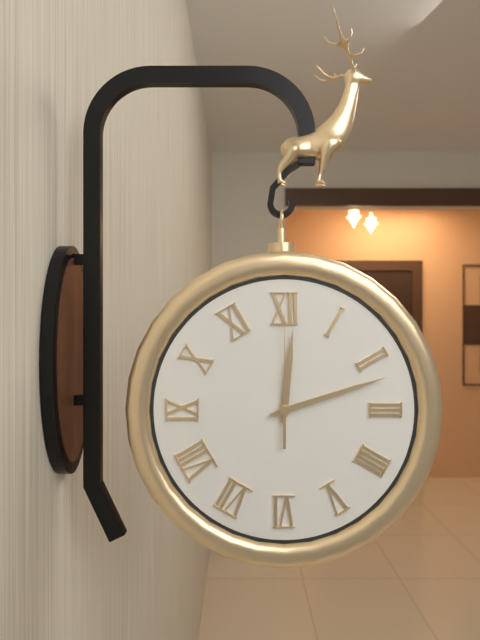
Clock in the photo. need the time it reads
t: 12:12:00
